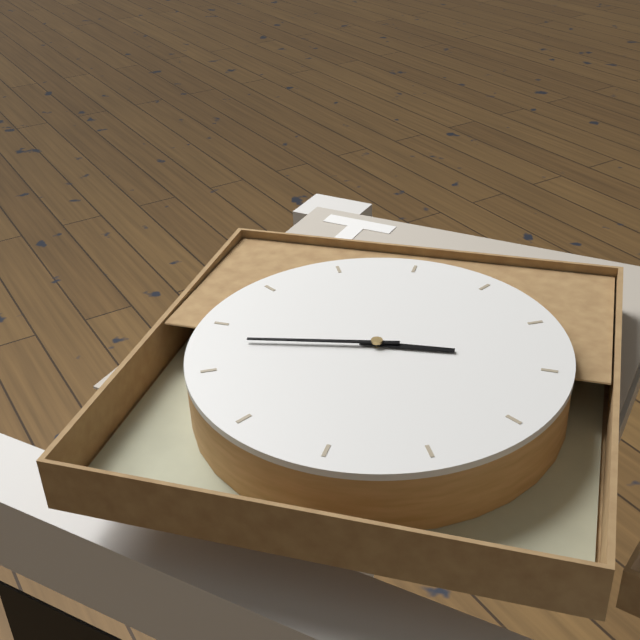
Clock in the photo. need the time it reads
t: 3:48
